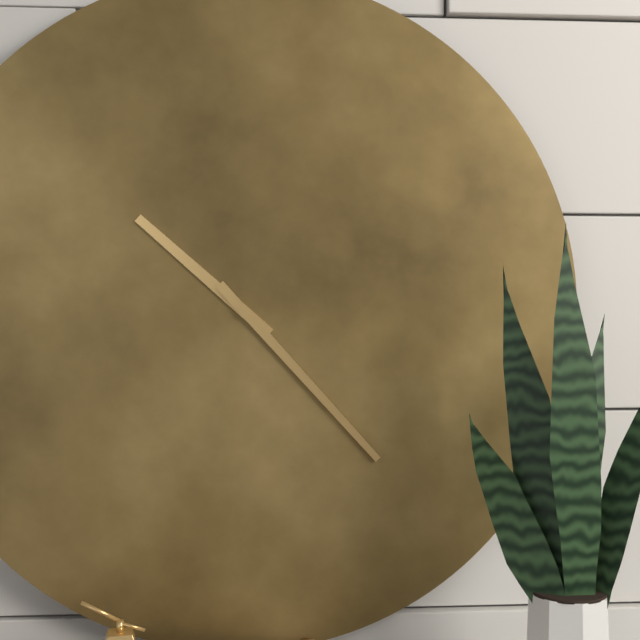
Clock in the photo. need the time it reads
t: 10:23
